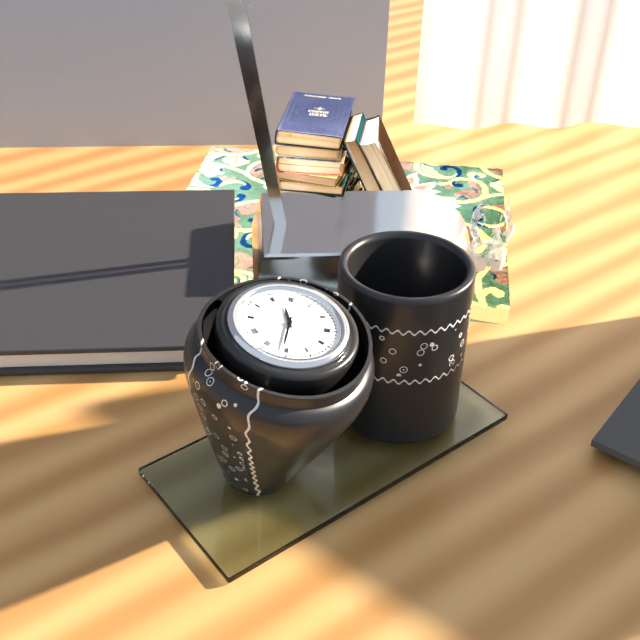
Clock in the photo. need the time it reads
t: 11:31
